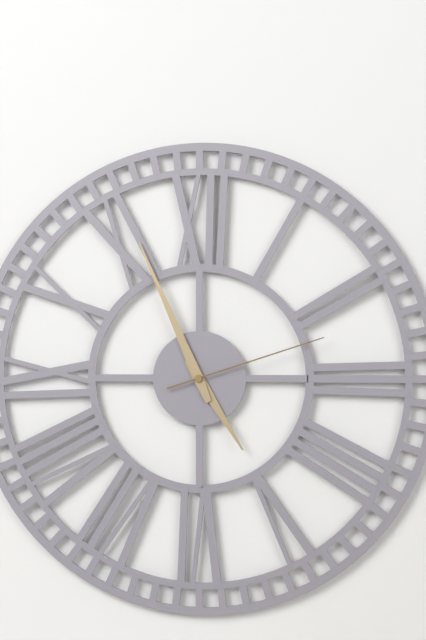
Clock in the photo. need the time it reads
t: 4:56:12
